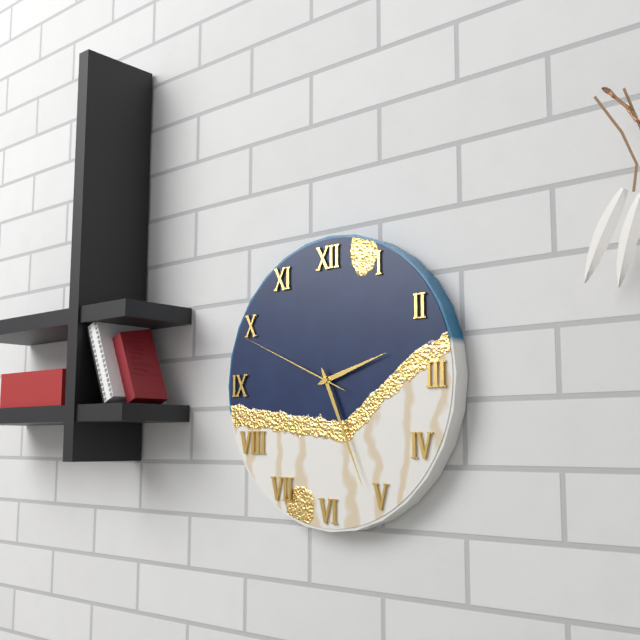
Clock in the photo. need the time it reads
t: 2:26:49
